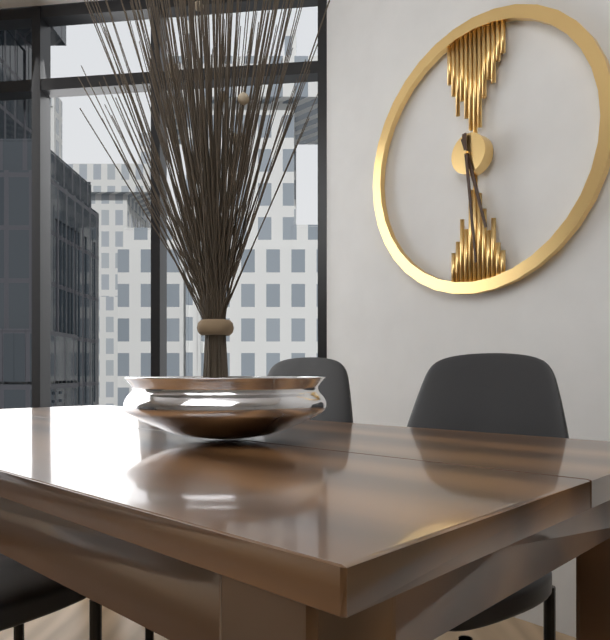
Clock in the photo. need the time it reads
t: 5:29
